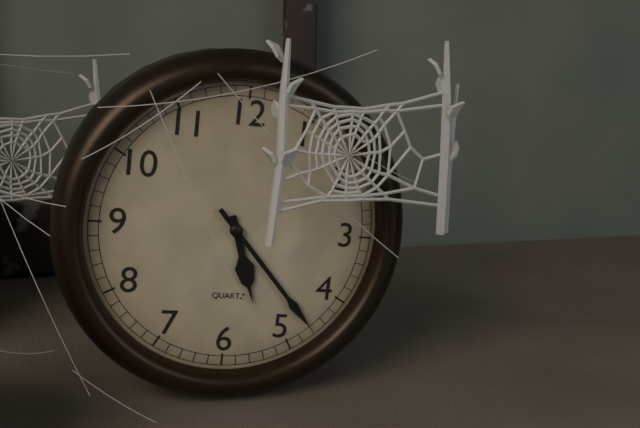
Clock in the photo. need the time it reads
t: 5:23
